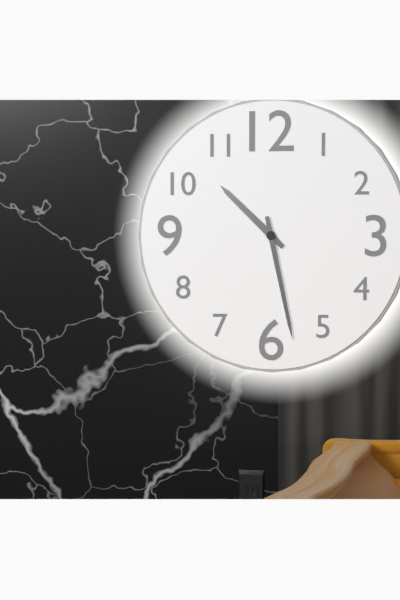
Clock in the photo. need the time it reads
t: 10:28
